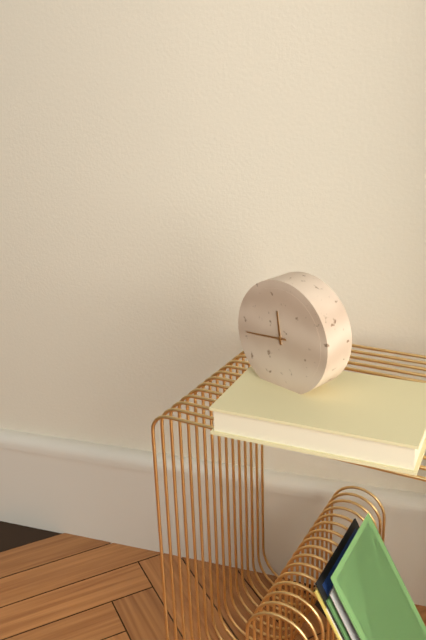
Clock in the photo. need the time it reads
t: 11:44
